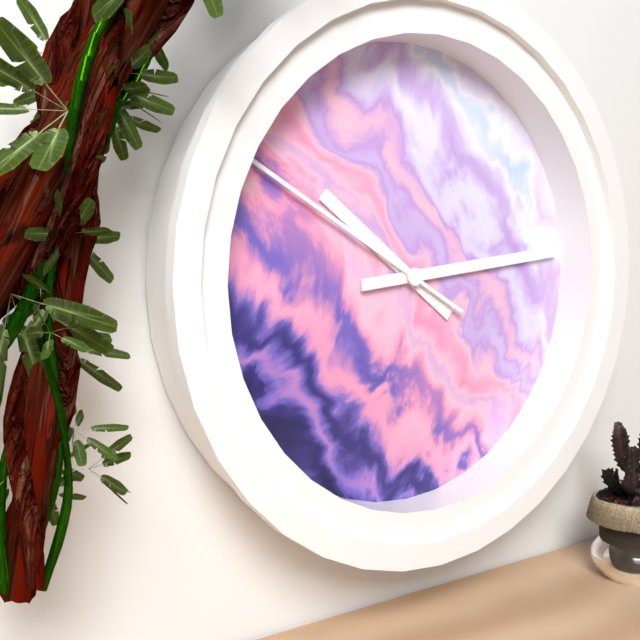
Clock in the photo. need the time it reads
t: 10:14:50
